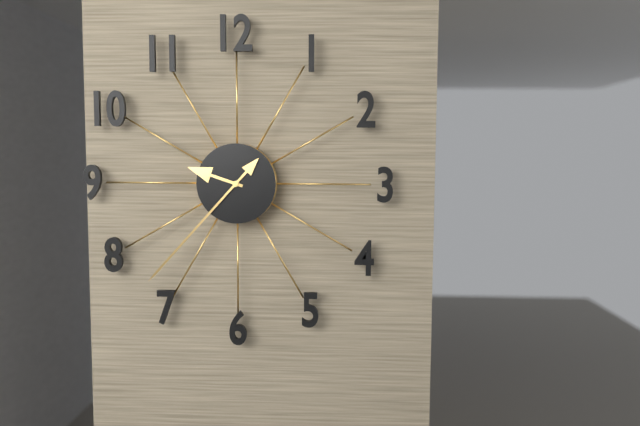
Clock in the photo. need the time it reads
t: 9:37
